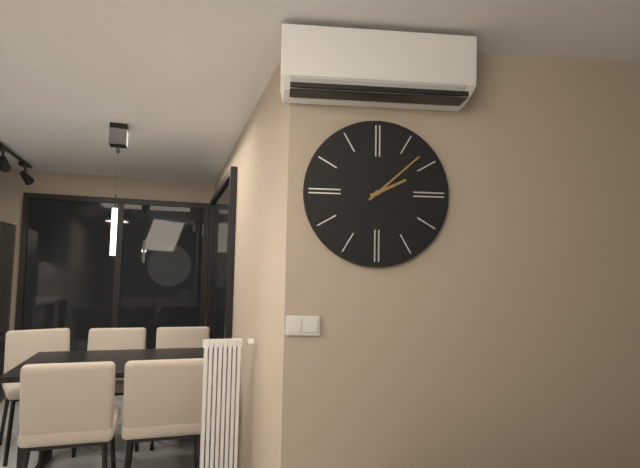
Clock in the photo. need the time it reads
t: 2:08
